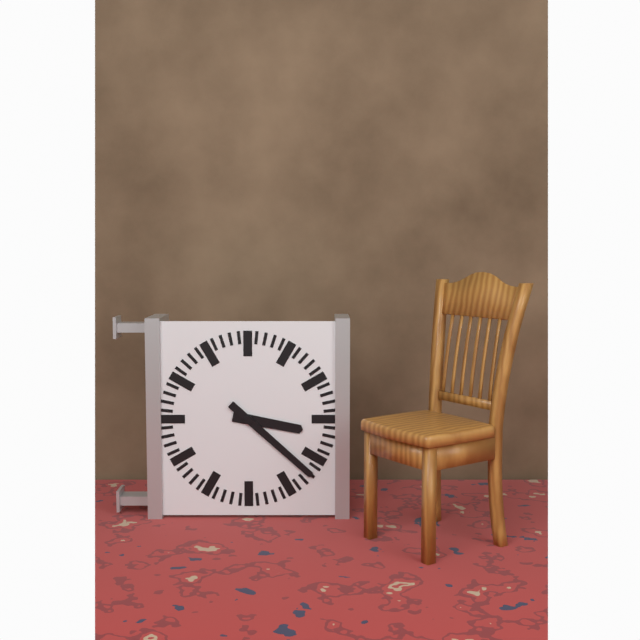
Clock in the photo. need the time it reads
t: 3:22
